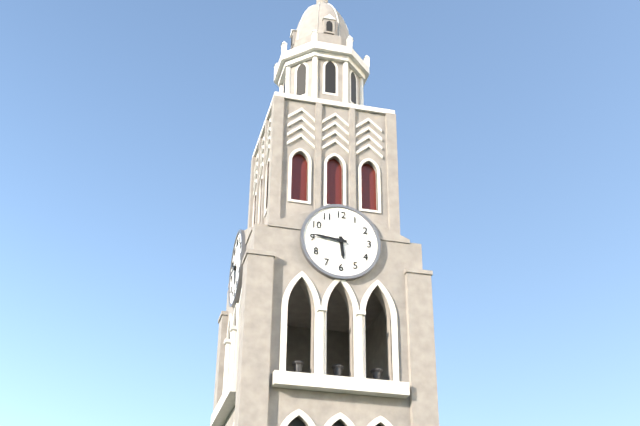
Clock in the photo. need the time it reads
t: 5:46
